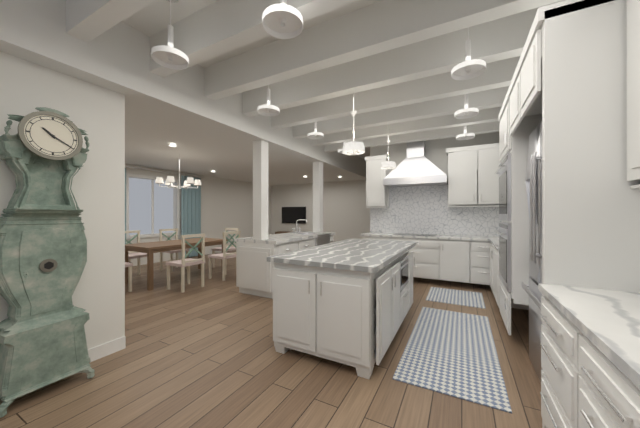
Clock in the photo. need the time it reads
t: 10:20
